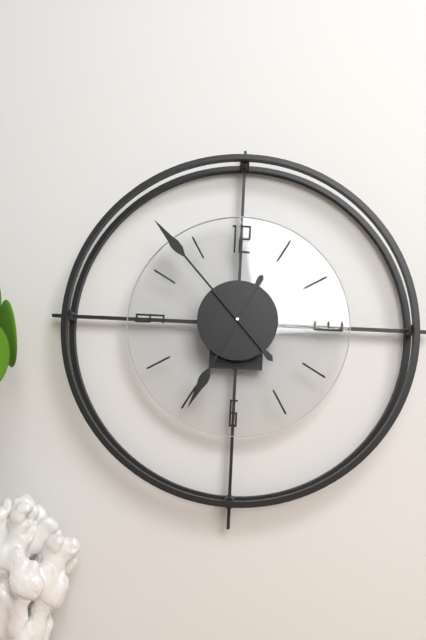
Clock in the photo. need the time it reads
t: 6:53
